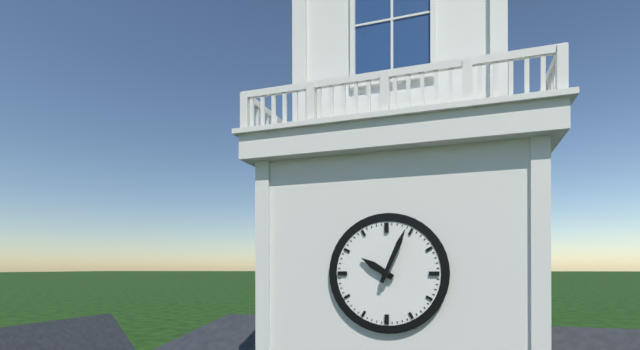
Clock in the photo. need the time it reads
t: 10:04
